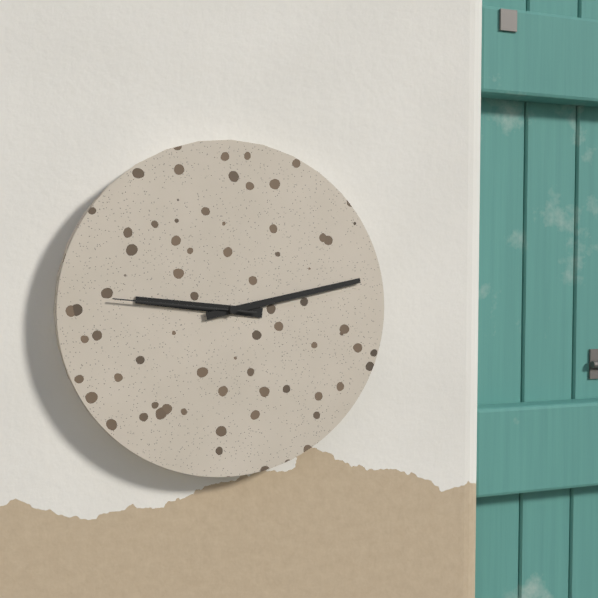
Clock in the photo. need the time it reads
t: 9:13:46
